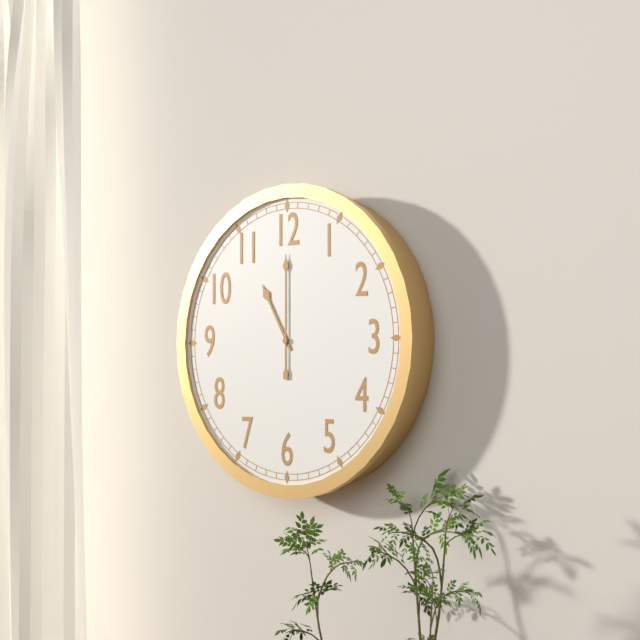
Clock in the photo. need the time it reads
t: 11:00
